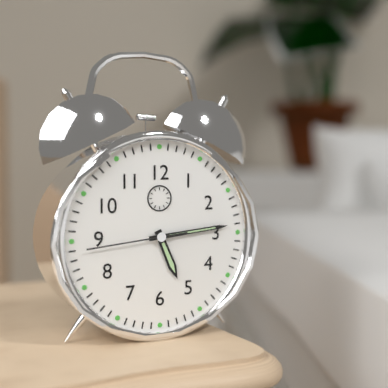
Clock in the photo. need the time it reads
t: 5:14:44
